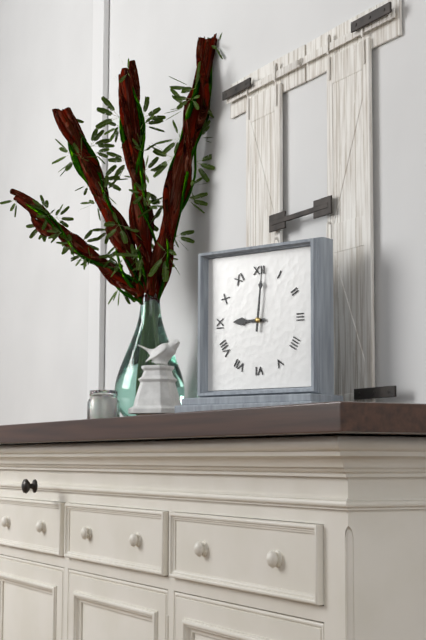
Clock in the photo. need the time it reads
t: 9:01
